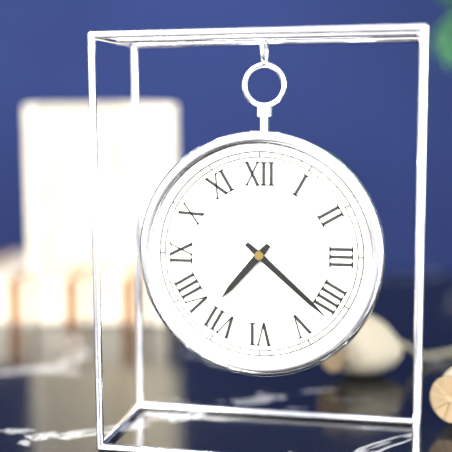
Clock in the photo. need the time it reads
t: 7:22
